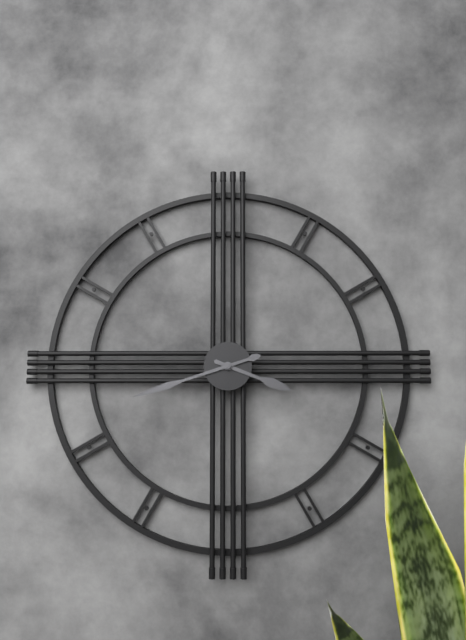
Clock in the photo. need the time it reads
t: 3:42
